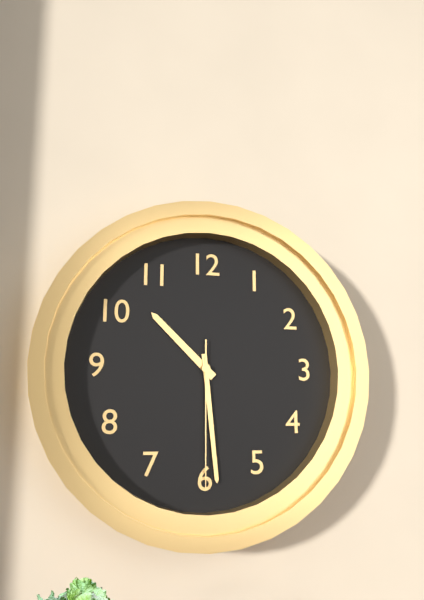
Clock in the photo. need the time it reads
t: 10:29:30
